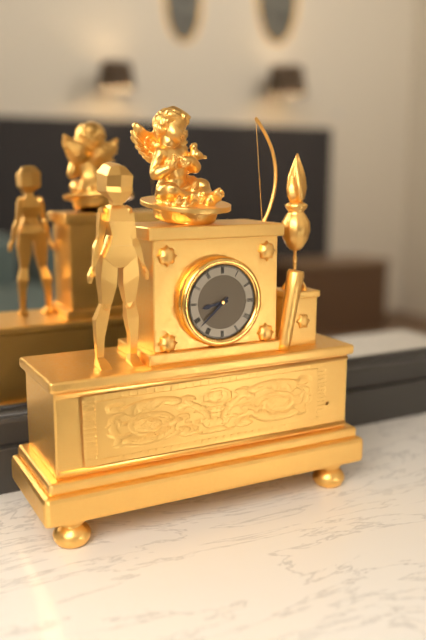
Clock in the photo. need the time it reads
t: 8:38
